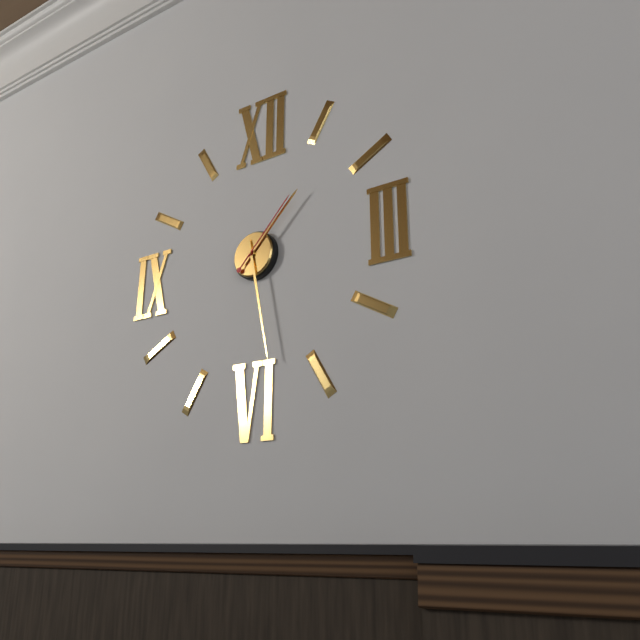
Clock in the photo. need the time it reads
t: 1:28:07
